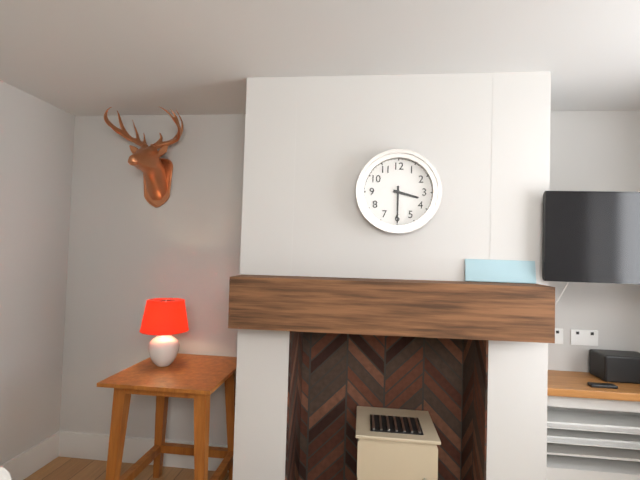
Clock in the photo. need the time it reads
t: 3:30
